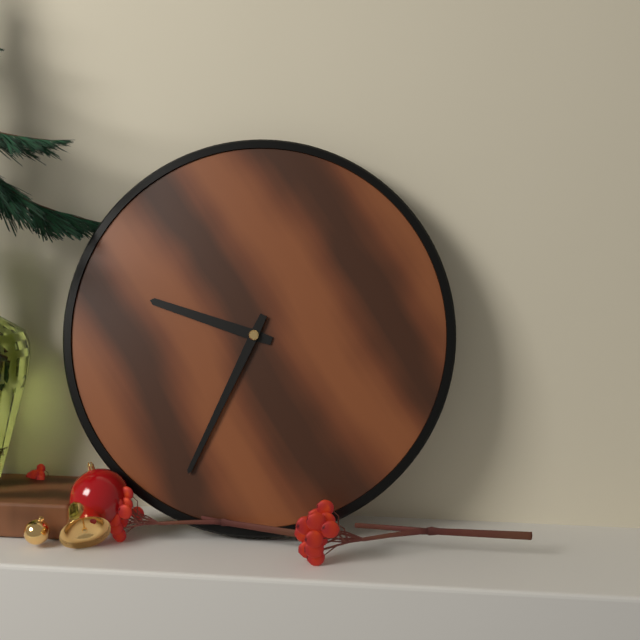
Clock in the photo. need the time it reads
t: 9:34
